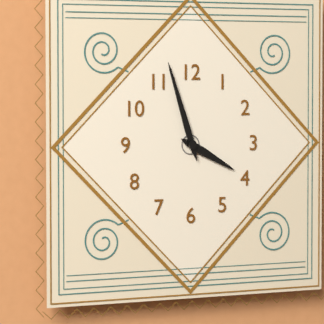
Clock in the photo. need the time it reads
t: 3:57
